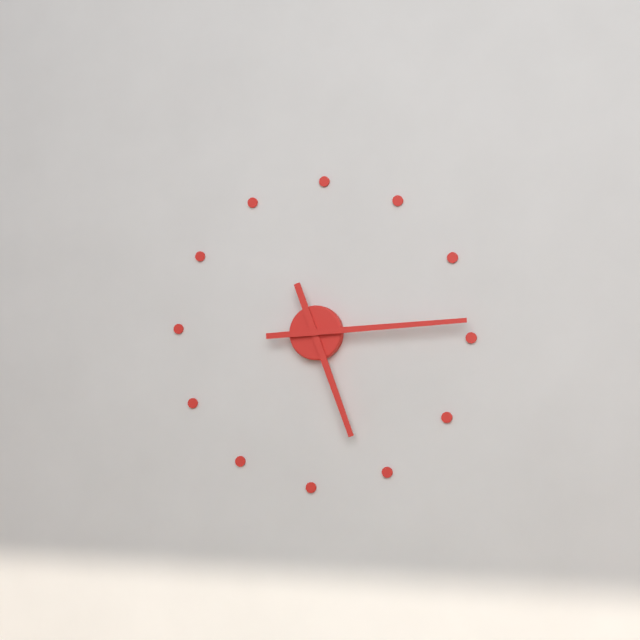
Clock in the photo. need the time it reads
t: 5:14
